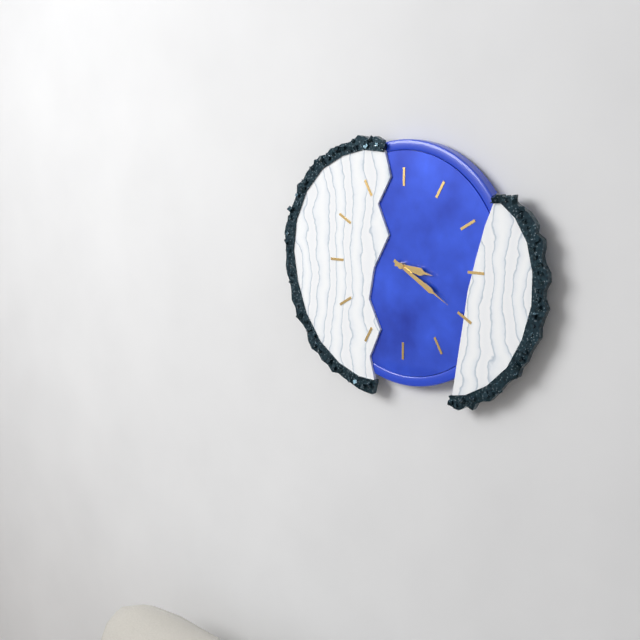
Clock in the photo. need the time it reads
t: 3:20
